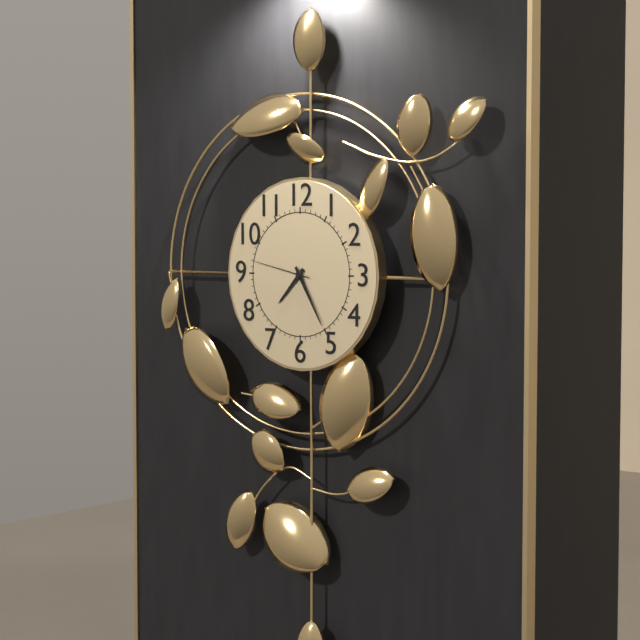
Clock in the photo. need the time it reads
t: 7:25:47
